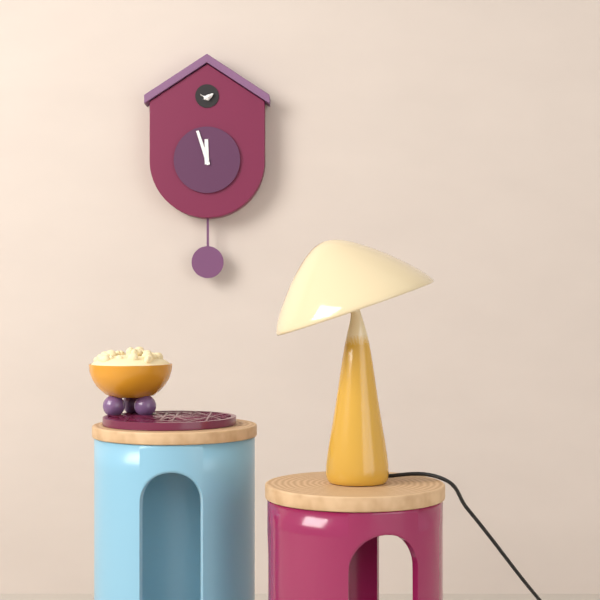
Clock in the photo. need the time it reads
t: 11:57
